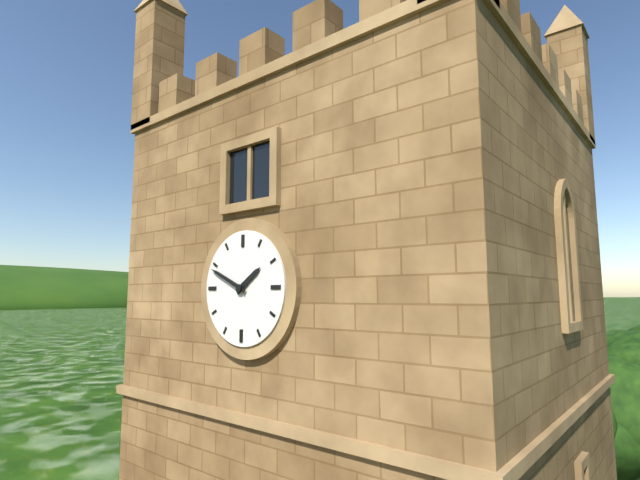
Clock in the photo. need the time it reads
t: 1:49
